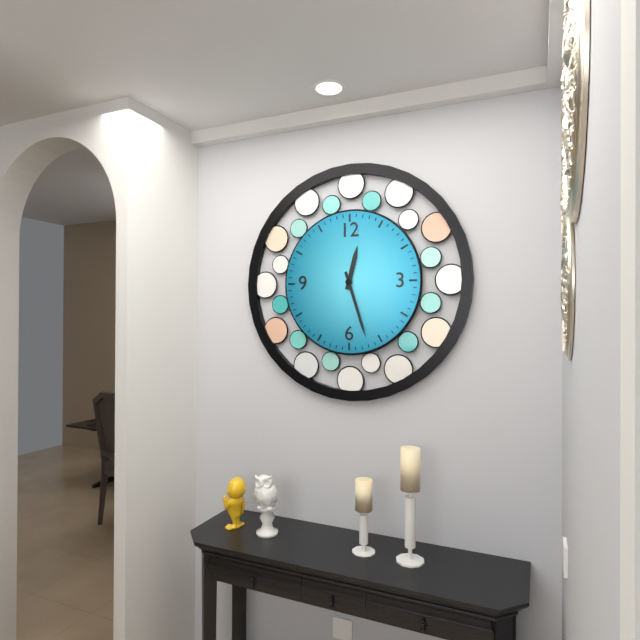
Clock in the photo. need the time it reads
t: 12:27
